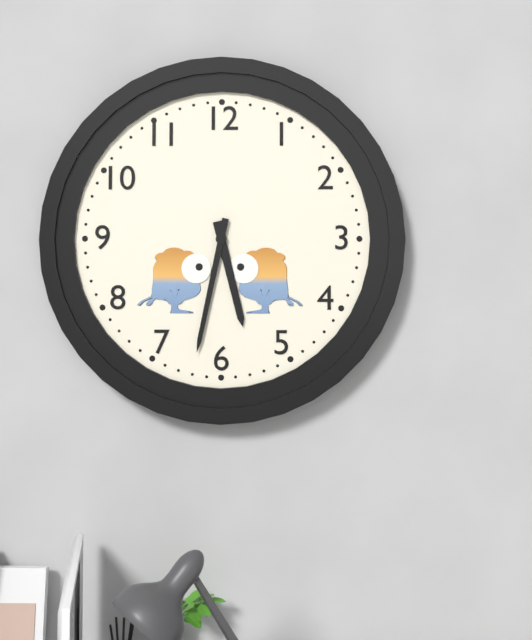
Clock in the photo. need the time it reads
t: 5:32
